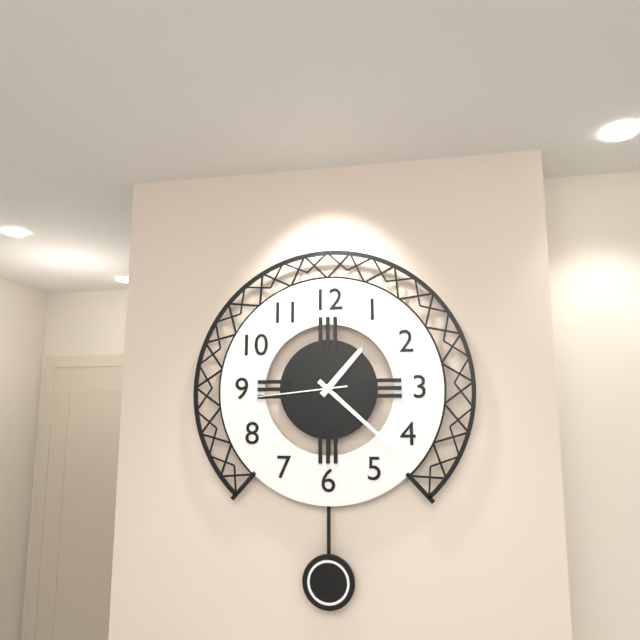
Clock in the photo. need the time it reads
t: 1:22:44
